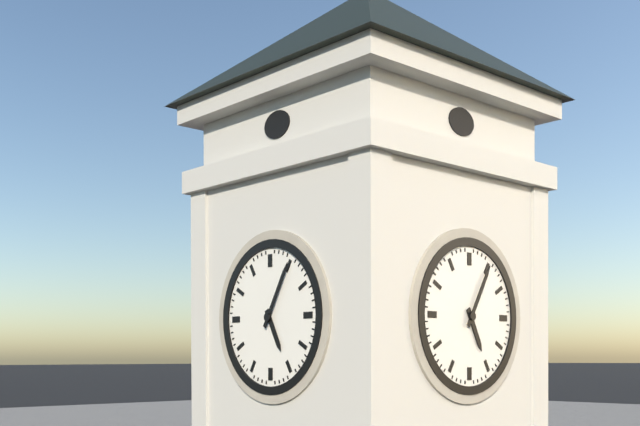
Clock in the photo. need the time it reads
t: 5:05
